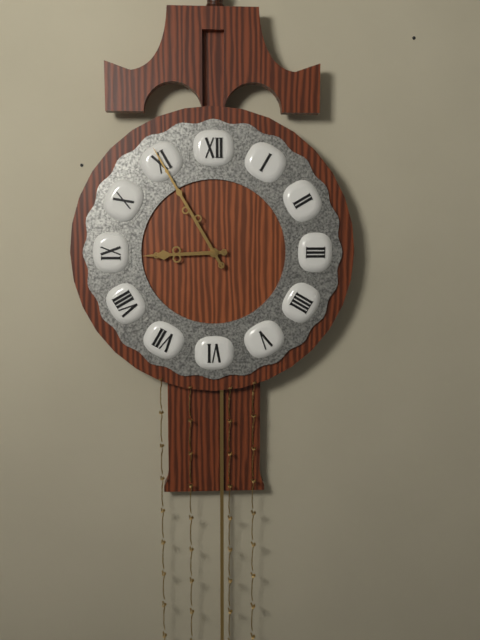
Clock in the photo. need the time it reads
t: 8:55
